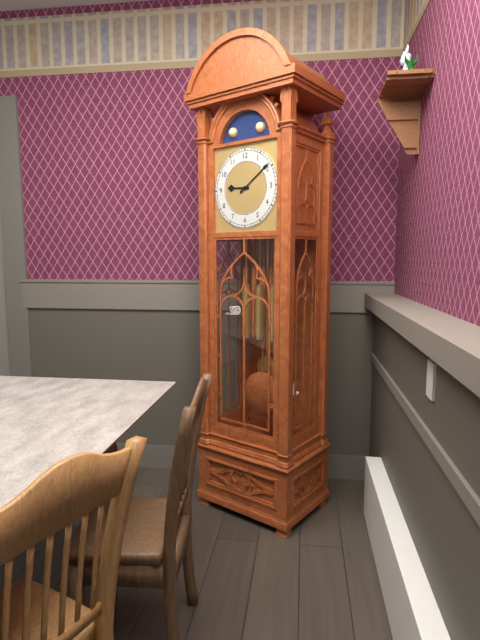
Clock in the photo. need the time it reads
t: 9:09
